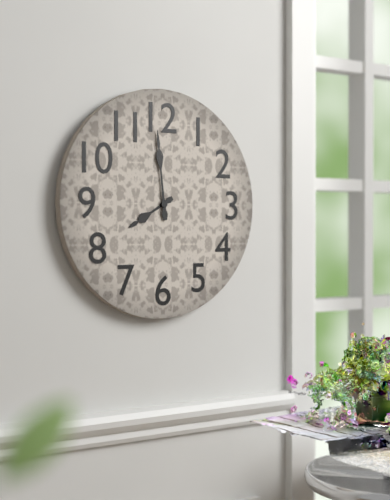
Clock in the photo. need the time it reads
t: 7:59
